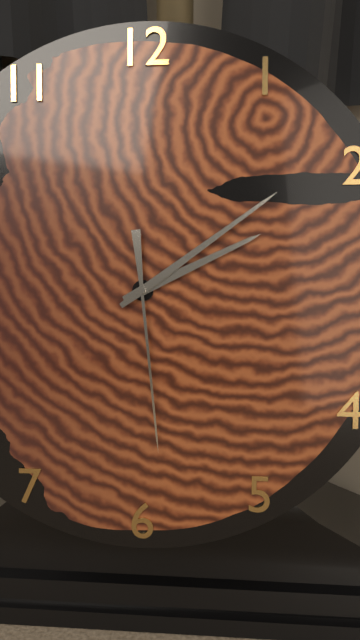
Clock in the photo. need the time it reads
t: 2:09:29
